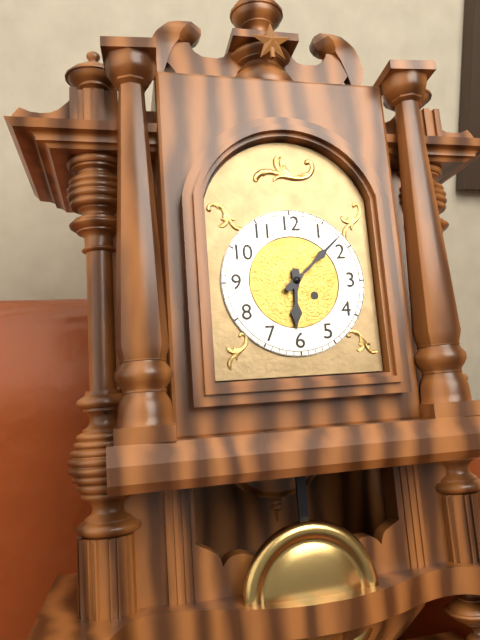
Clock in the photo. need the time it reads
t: 6:08
